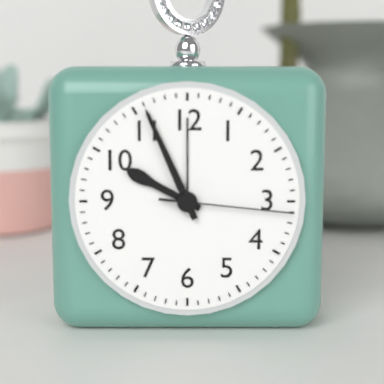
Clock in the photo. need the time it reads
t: 9:56:16
